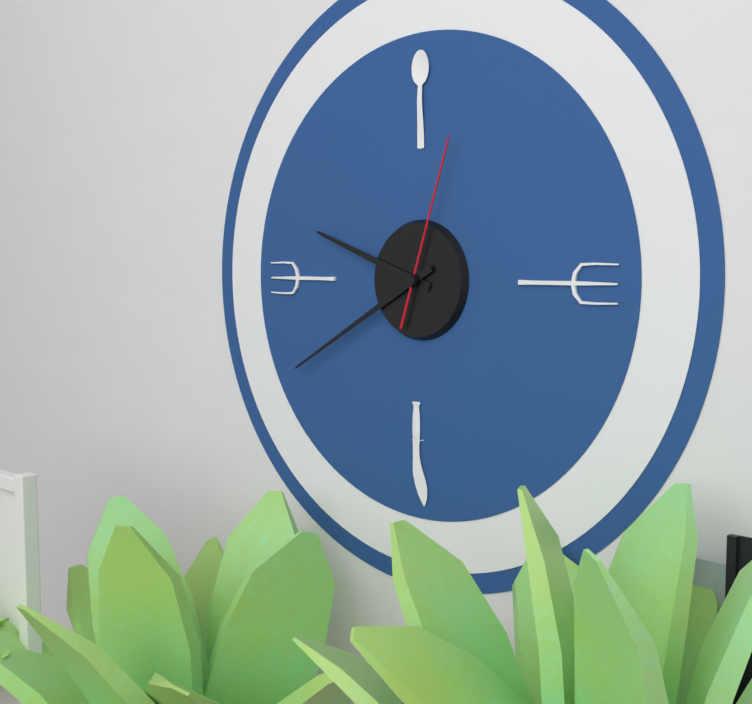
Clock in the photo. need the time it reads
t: 9:40:03
